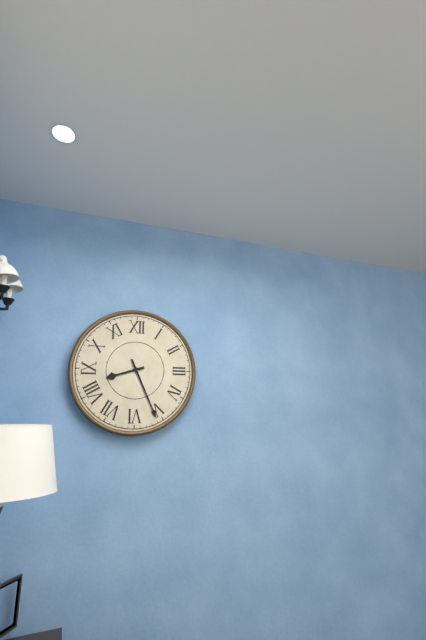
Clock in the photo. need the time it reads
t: 8:26
